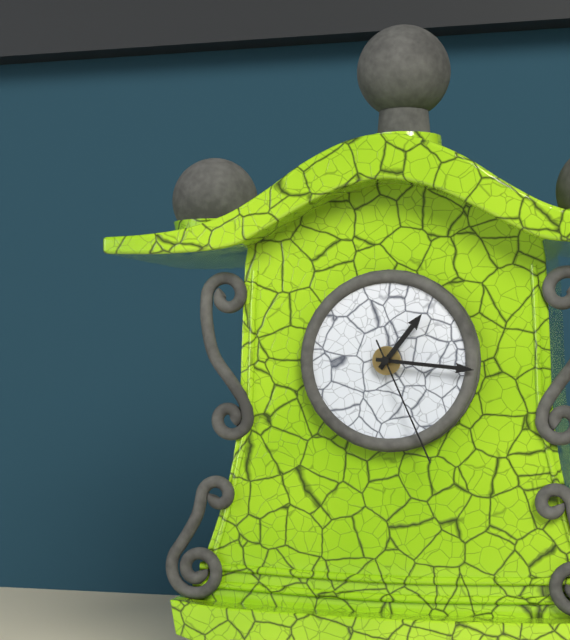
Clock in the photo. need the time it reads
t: 1:16:26
